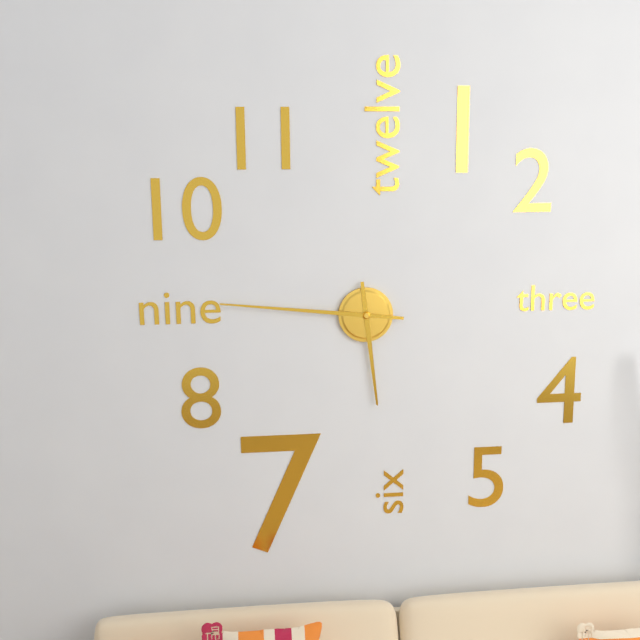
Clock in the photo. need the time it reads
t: 5:46
